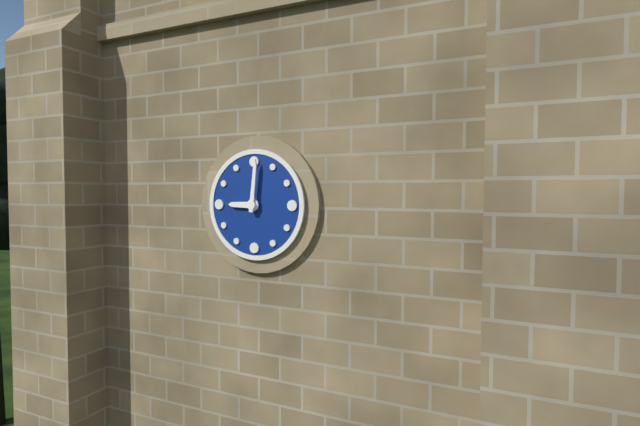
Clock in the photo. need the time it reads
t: 9:01
